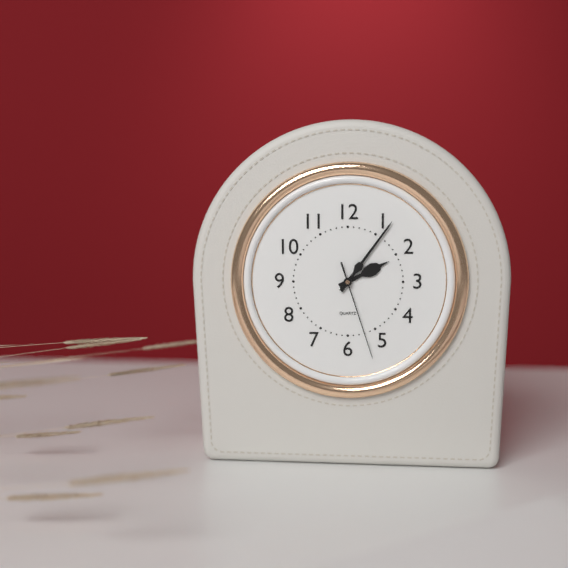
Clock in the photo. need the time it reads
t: 2:06:27
